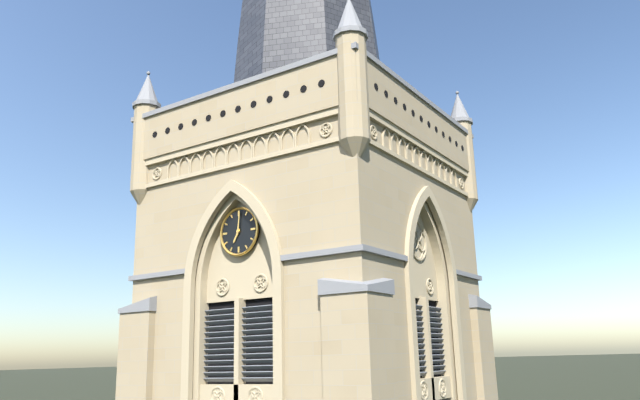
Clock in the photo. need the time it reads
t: 7:01
